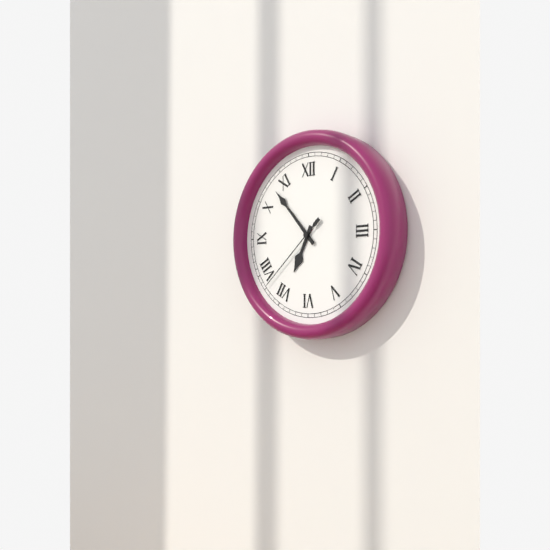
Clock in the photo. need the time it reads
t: 6:53:38
